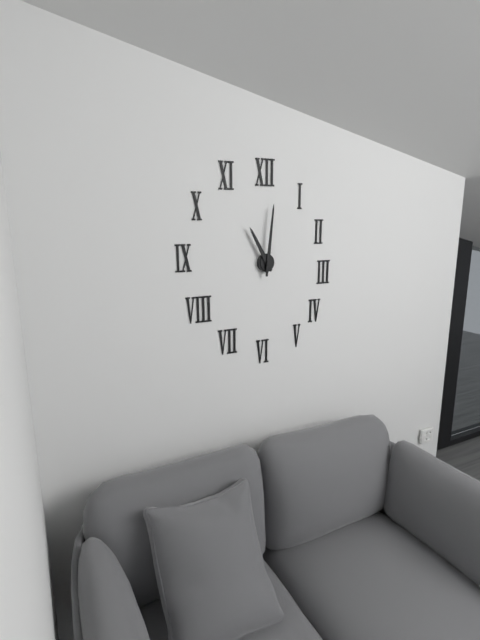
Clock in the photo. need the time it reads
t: 11:01
